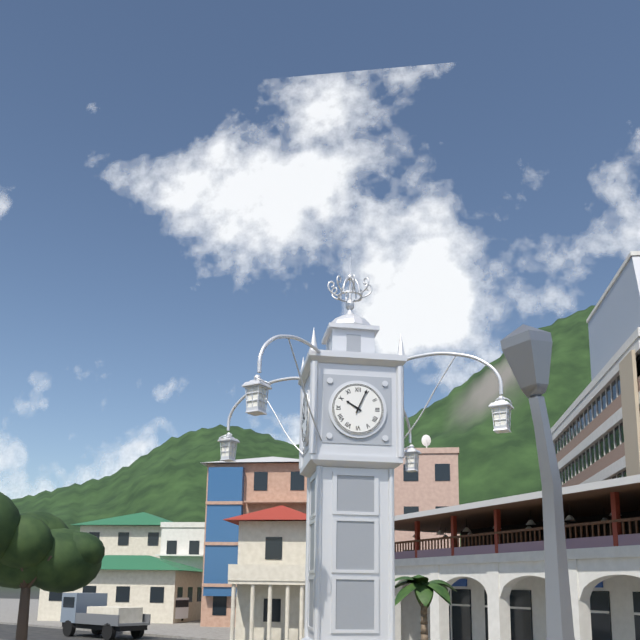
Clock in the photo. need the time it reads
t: 10:04
